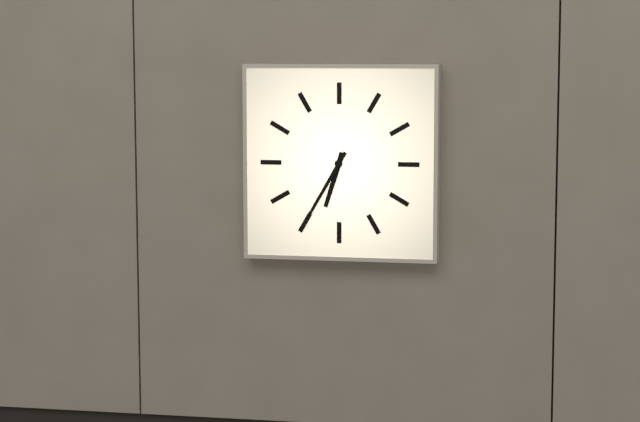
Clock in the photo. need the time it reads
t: 6:35
